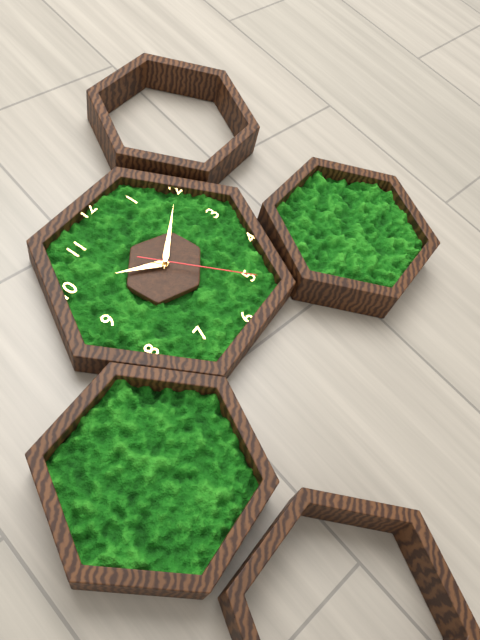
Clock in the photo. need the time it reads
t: 10:10:25
